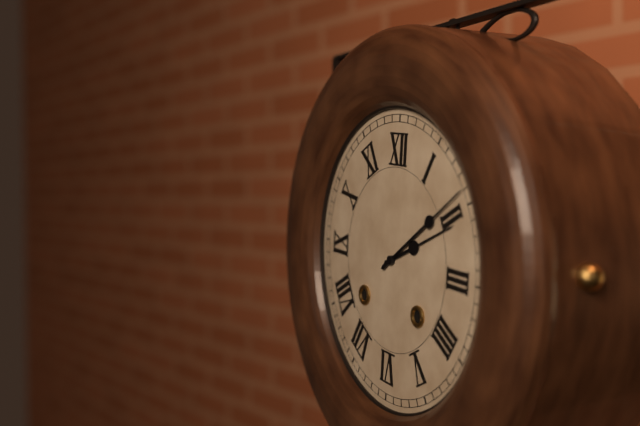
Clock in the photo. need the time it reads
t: 2:09
